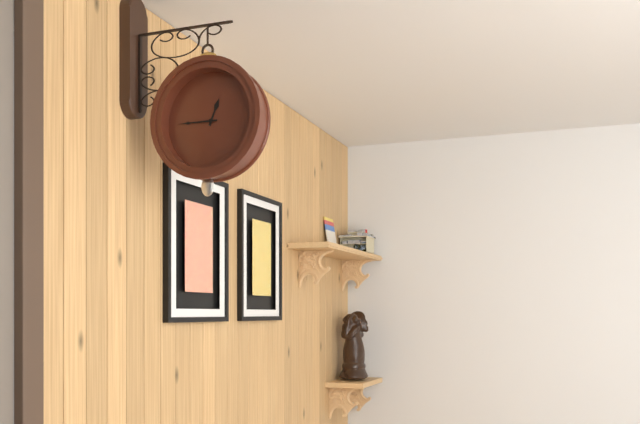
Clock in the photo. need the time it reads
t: 12:45
